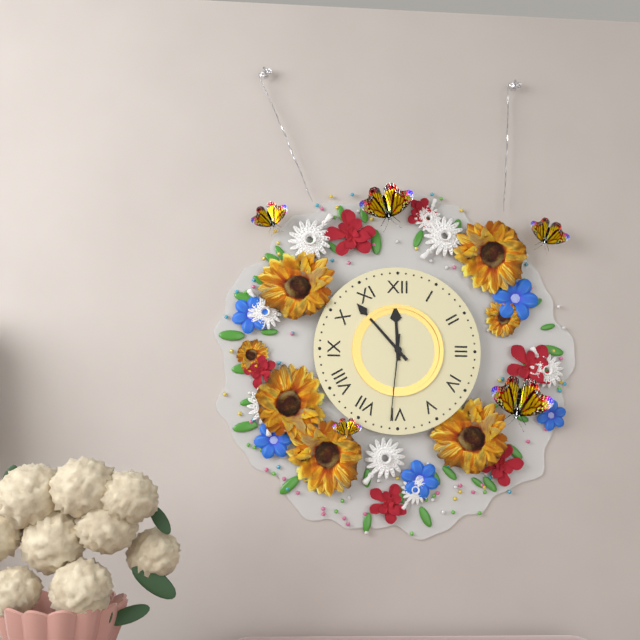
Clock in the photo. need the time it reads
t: 11:53:31
